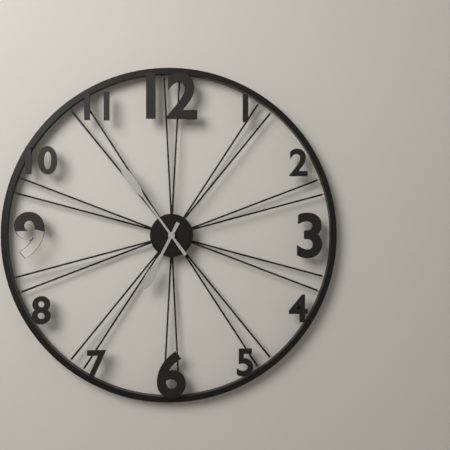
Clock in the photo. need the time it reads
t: 6:54
